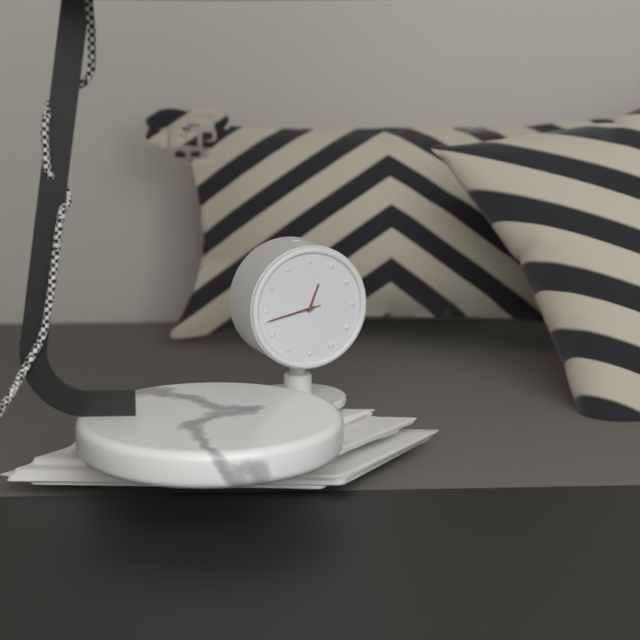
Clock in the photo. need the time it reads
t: 12:43:43
